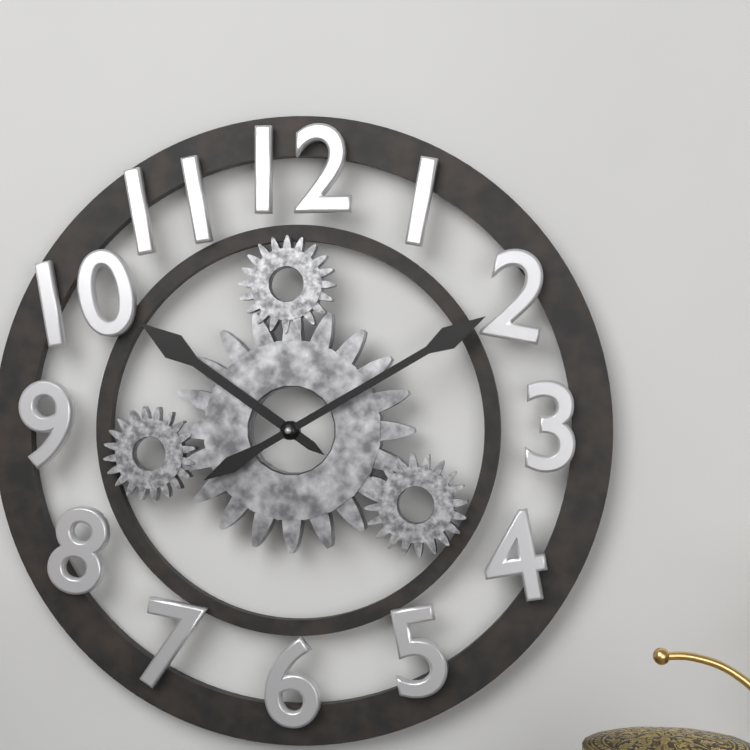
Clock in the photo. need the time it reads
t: 10:10
